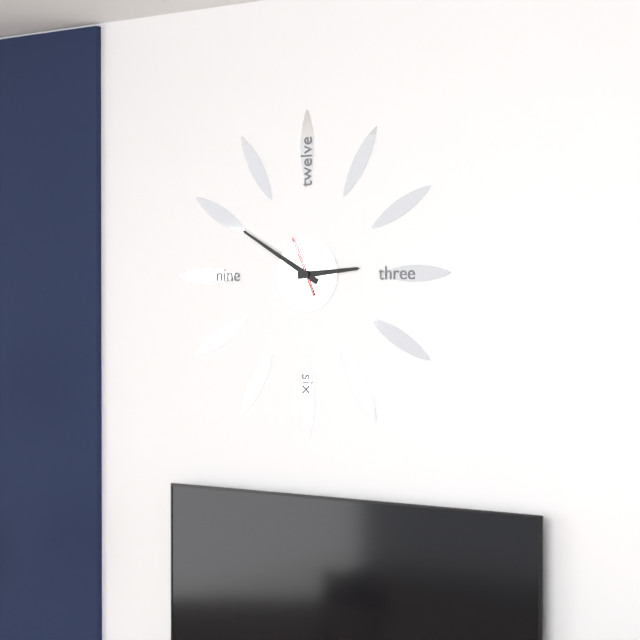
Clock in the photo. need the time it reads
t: 2:50
